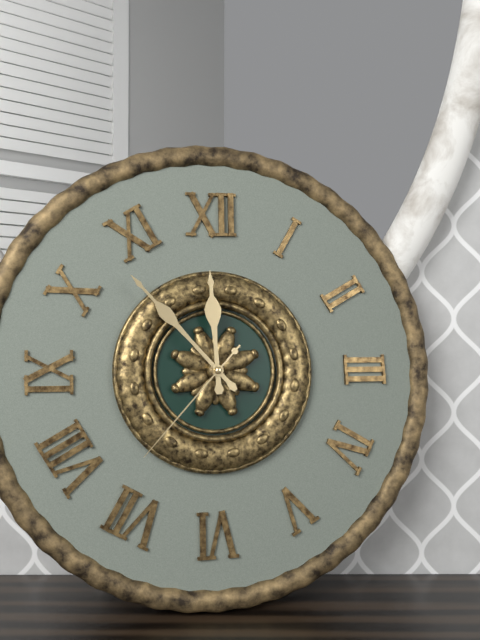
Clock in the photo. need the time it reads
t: 11:53:37
